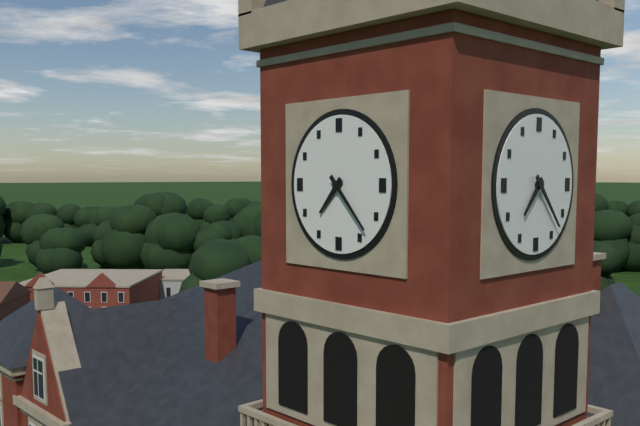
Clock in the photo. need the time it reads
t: 7:23
